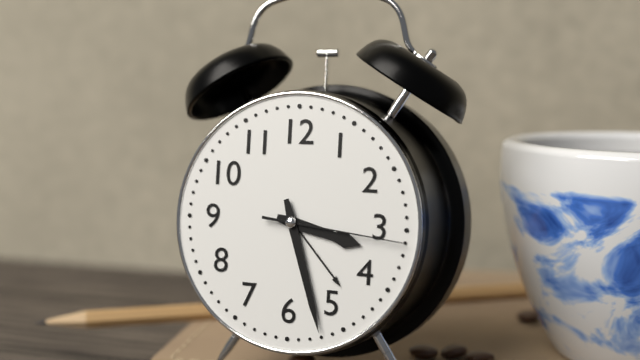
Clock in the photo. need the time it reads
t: 3:27:16
